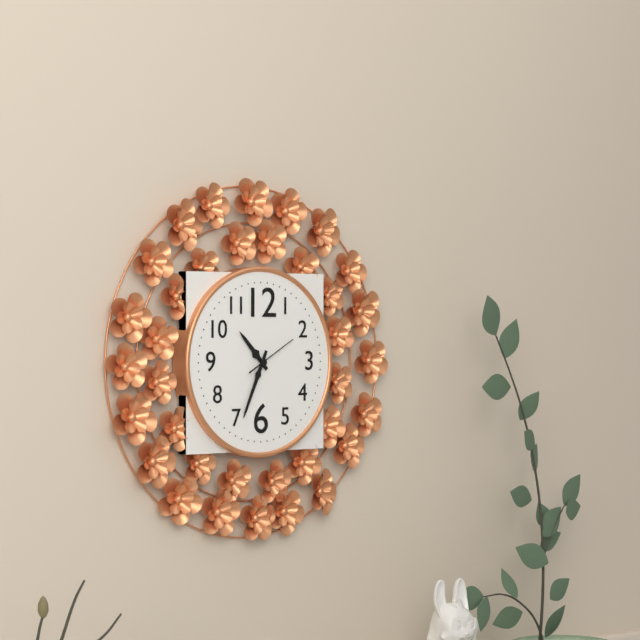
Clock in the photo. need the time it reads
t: 10:34
